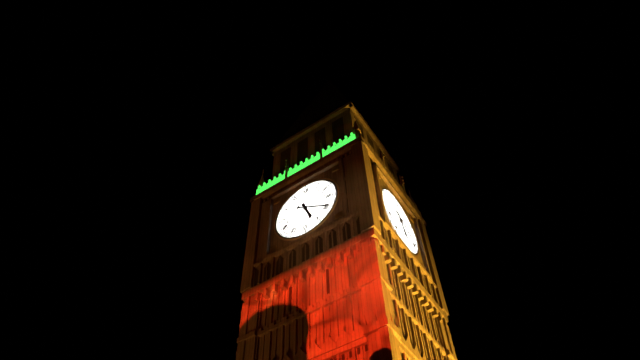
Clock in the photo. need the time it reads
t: 5:20
